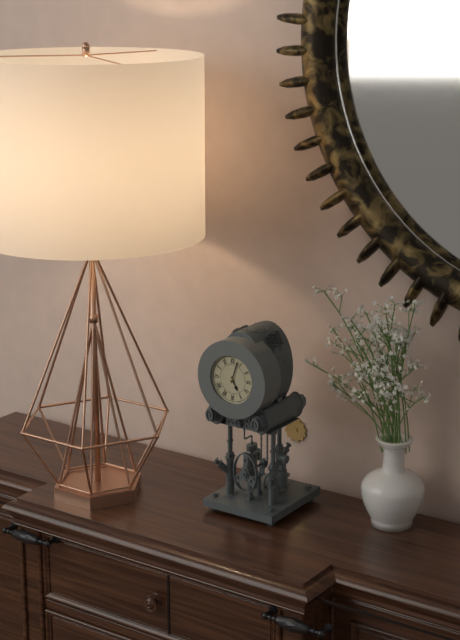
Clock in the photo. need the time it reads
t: 5:03
